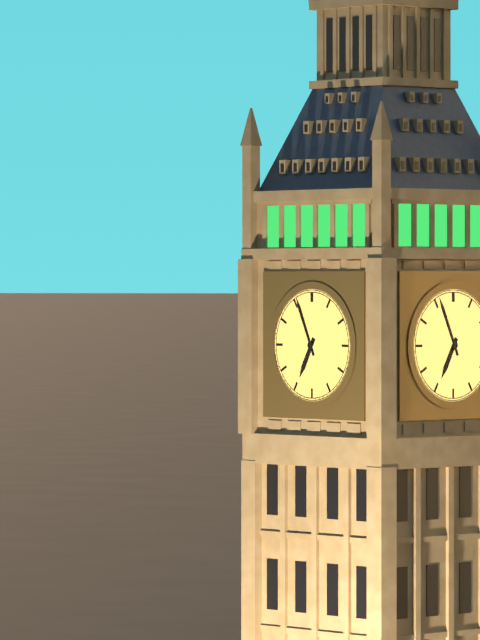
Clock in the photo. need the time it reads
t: 6:56
